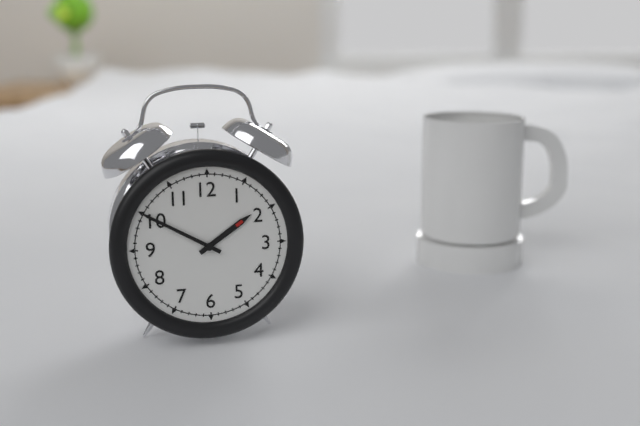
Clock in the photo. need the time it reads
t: 1:50
